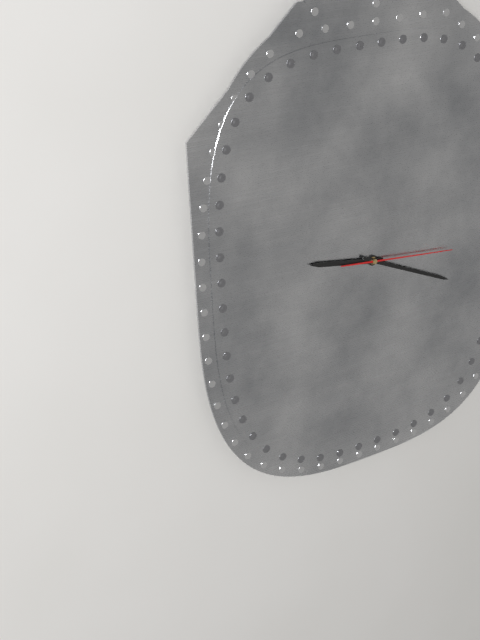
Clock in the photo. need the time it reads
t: 9:19:16
